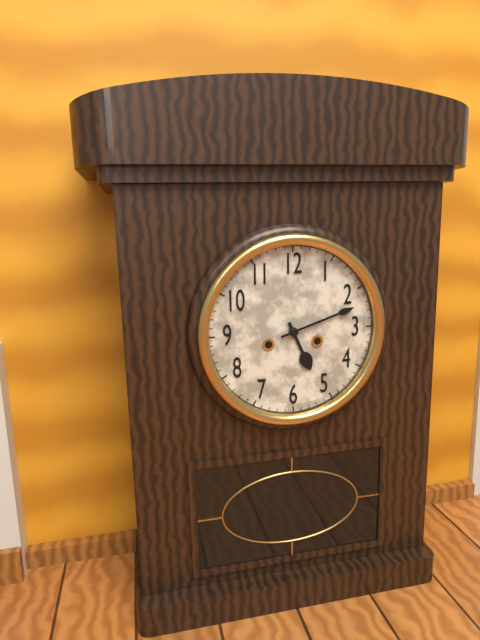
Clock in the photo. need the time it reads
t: 5:12
